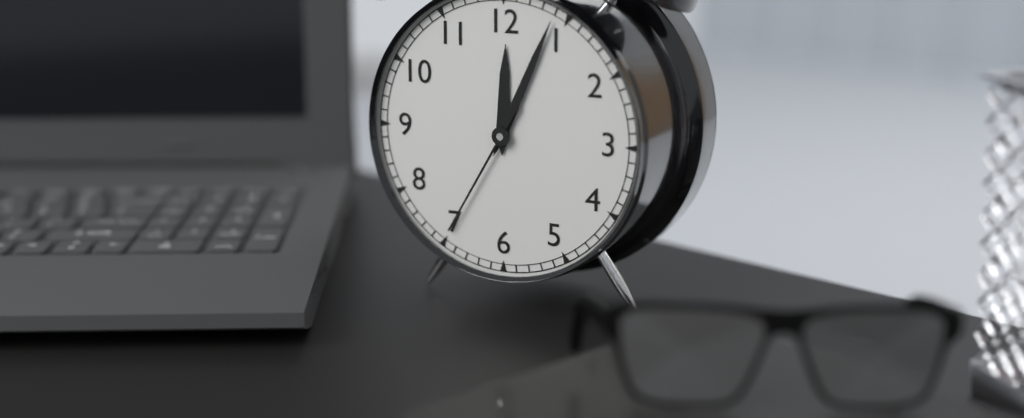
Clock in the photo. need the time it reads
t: 12:04:35
